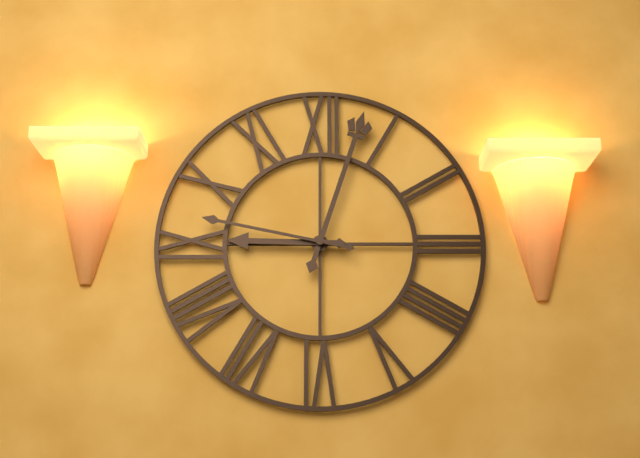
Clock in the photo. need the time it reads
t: 9:03:47
